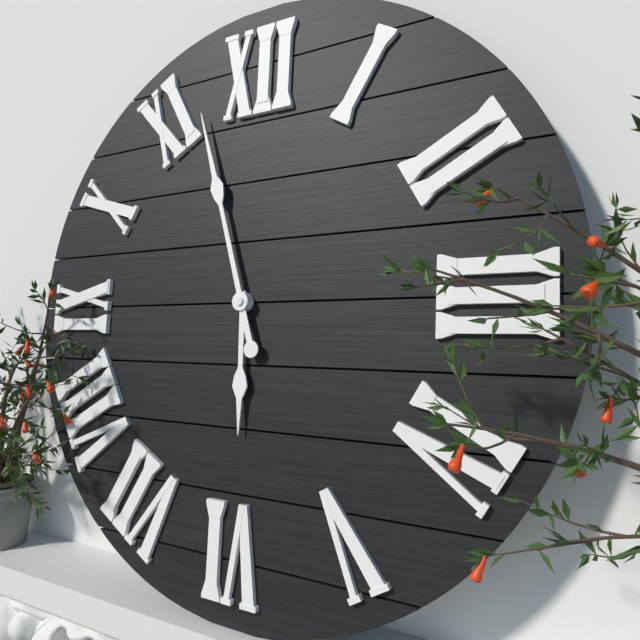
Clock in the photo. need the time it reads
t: 5:57
